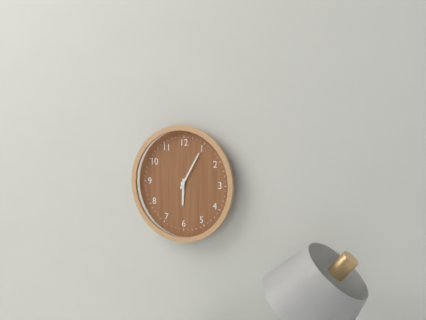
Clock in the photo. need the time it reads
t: 6:05
